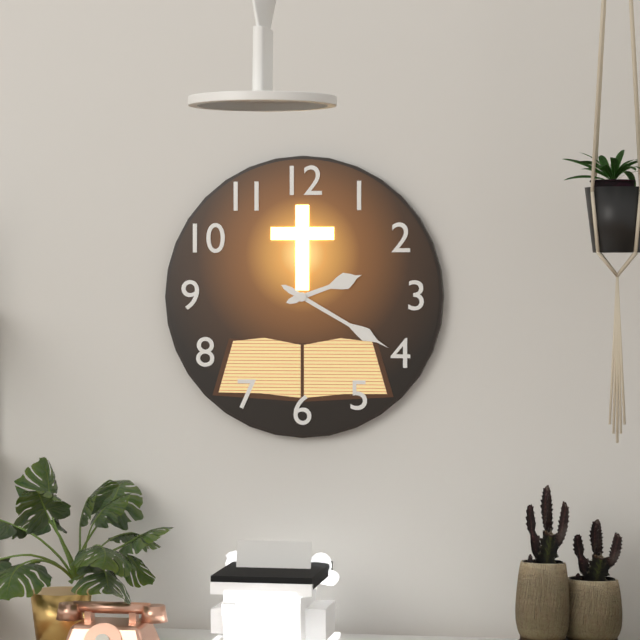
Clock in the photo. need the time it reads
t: 2:20
